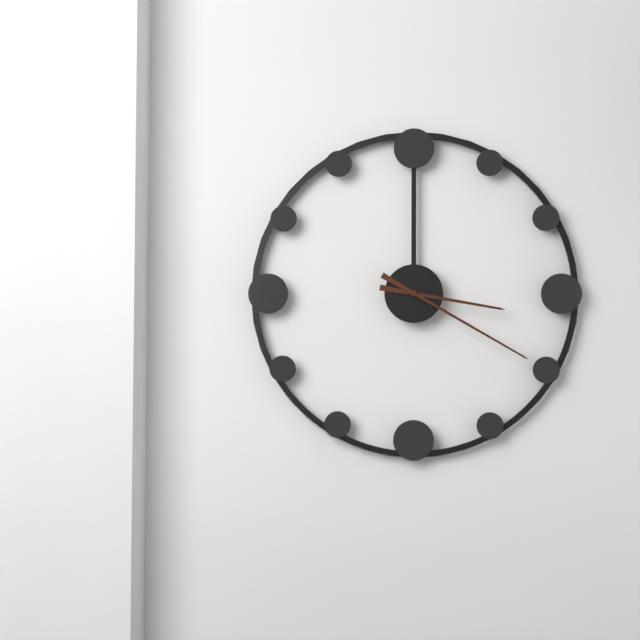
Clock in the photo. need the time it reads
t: 3:20
